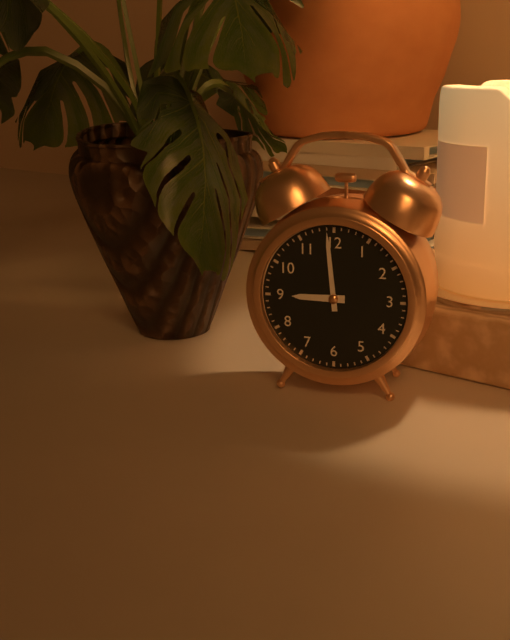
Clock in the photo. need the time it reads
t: 8:59
